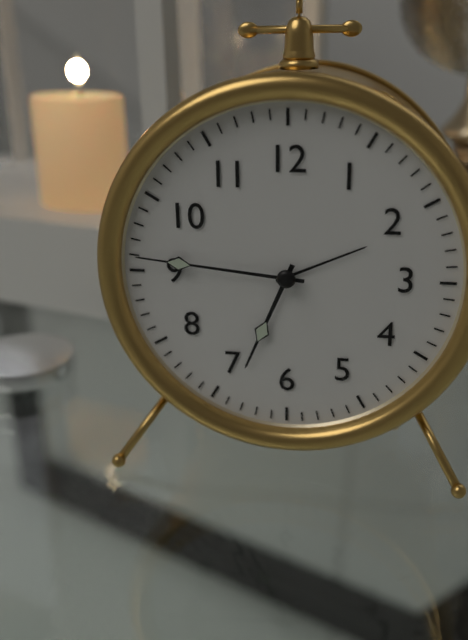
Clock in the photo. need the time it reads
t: 6:46
